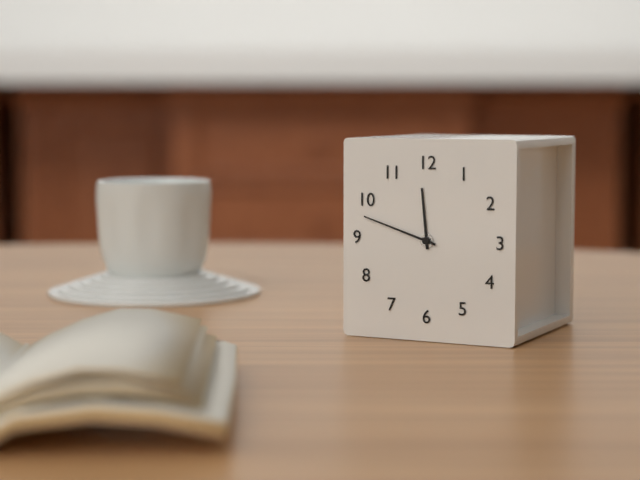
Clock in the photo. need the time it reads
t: 11:48
